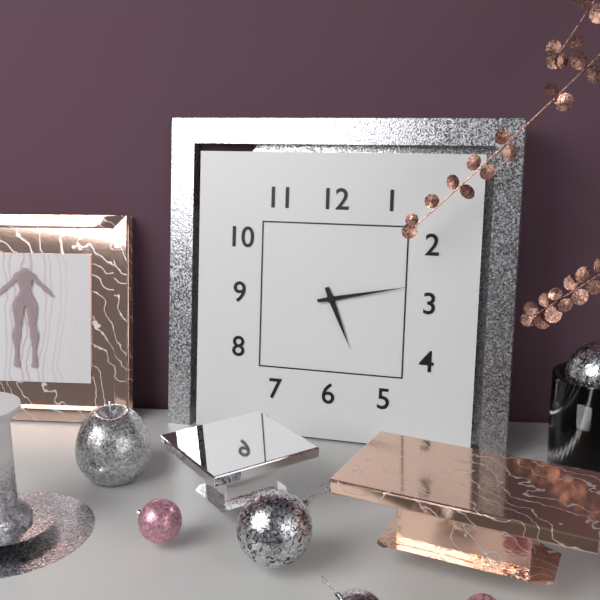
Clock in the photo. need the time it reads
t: 5:13
